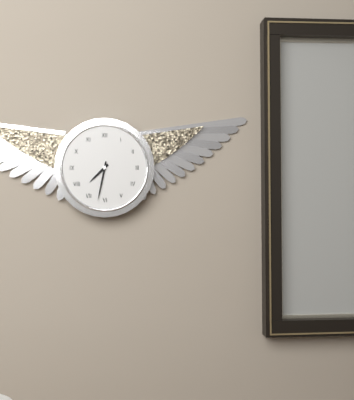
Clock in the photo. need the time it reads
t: 7:32
